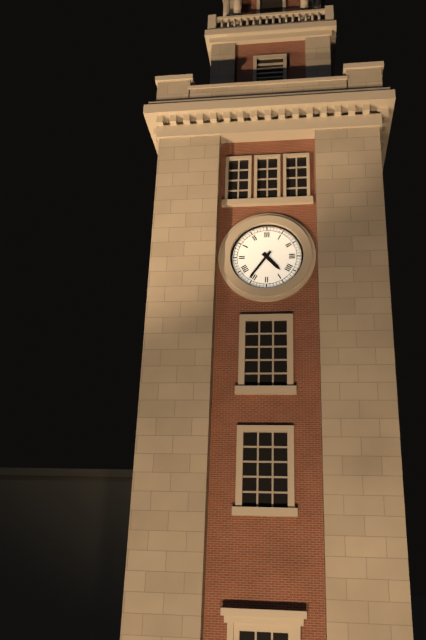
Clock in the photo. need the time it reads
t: 4:36
